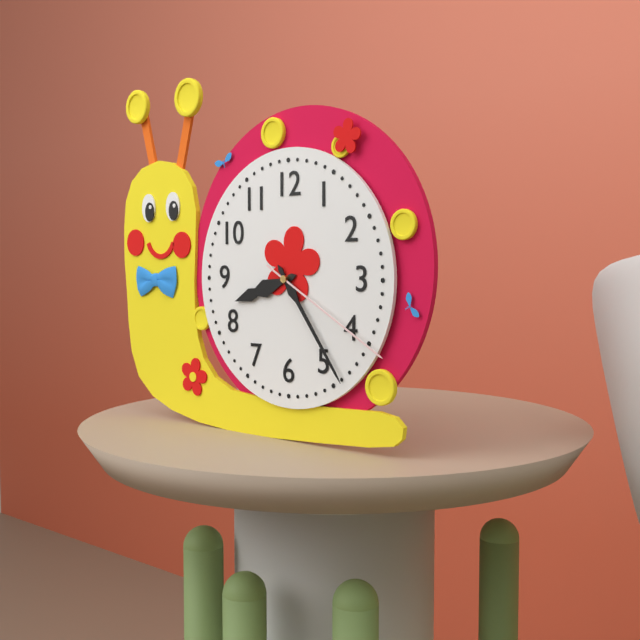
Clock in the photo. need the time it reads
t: 8:24:20
